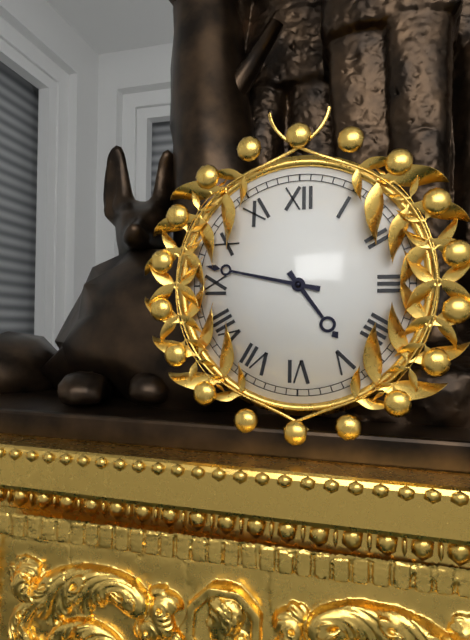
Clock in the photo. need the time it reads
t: 4:47
